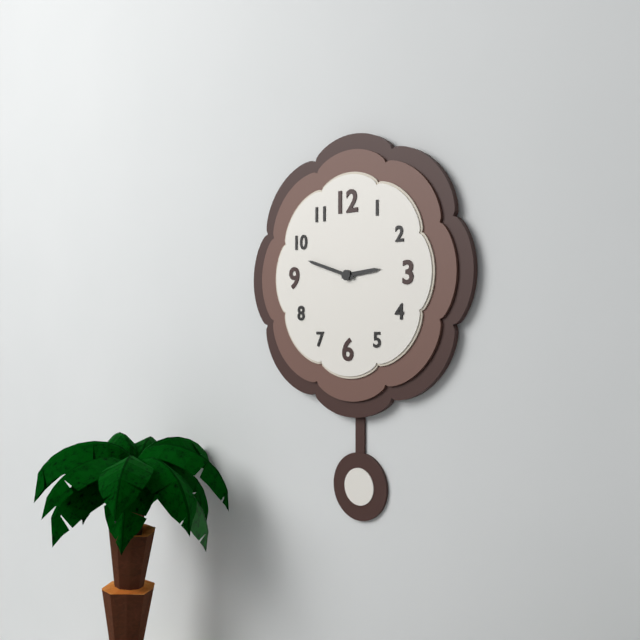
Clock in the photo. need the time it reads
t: 2:48
